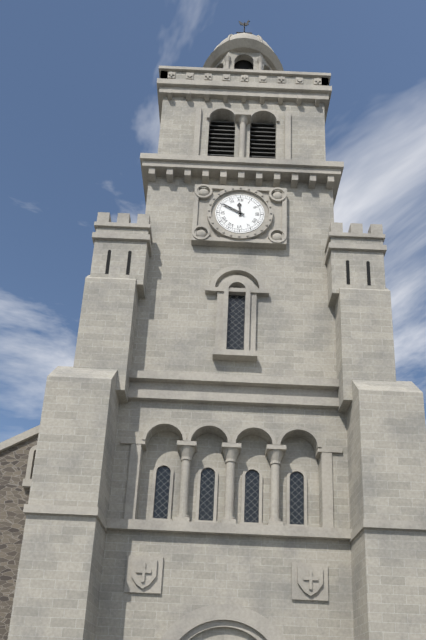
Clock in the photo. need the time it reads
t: 11:50
